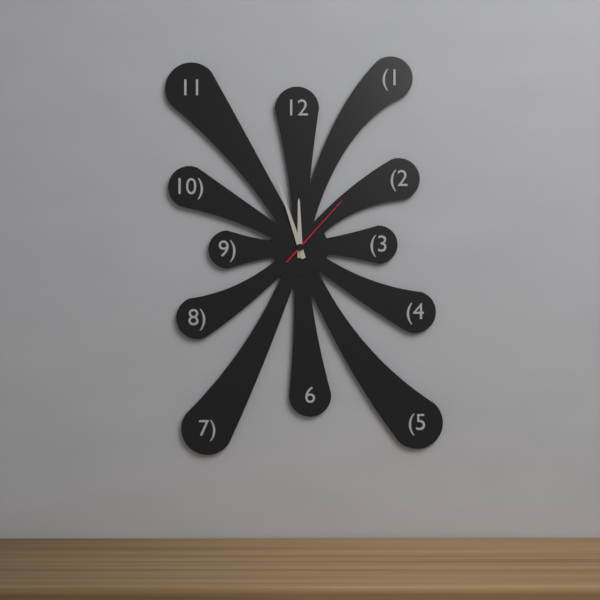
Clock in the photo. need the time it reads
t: 11:57:07
